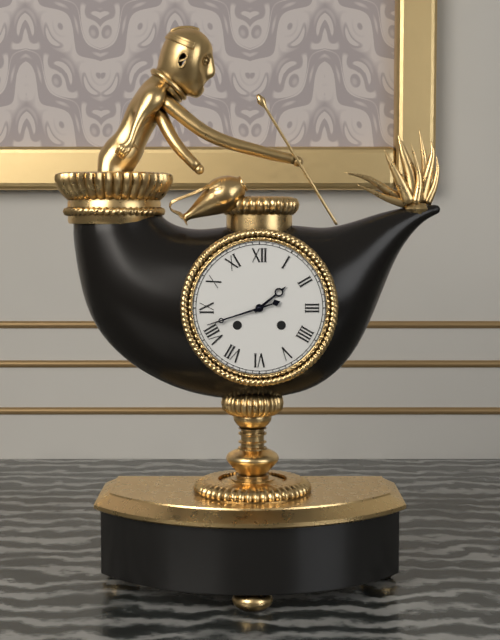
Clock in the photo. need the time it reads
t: 1:42
